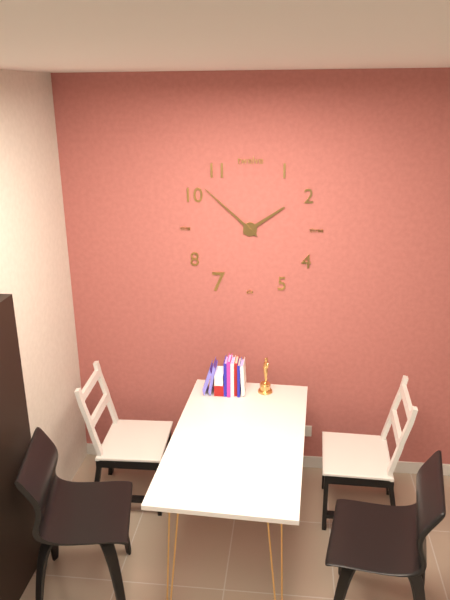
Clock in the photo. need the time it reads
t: 1:52
